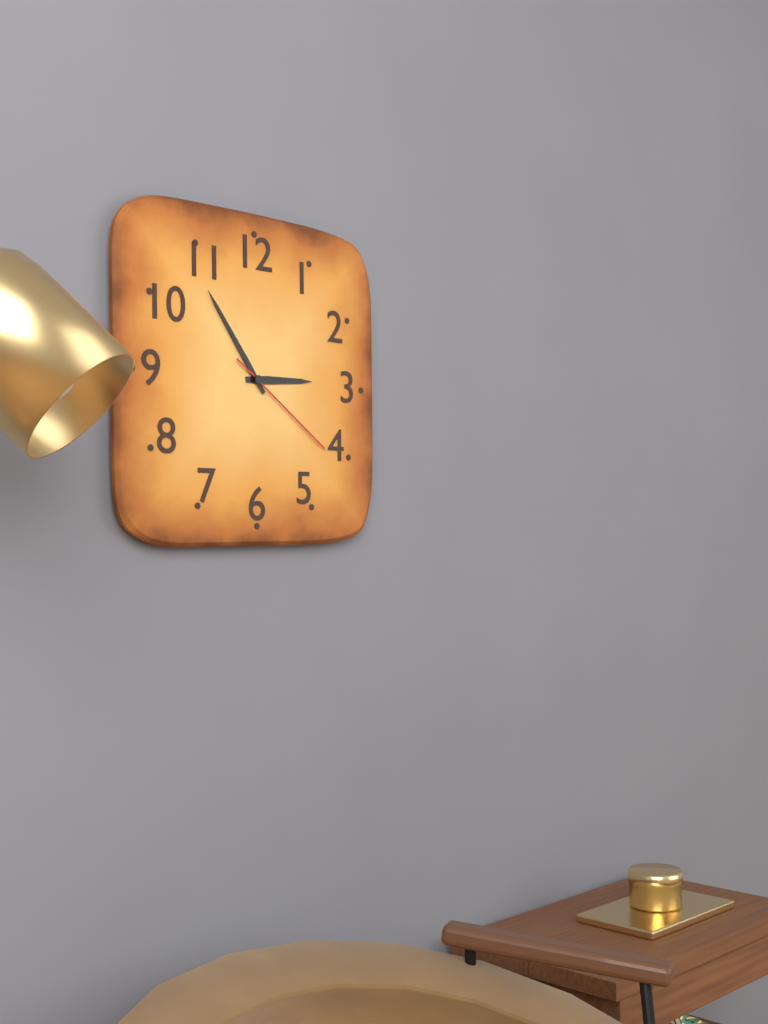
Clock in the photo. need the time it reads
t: 2:54:21
